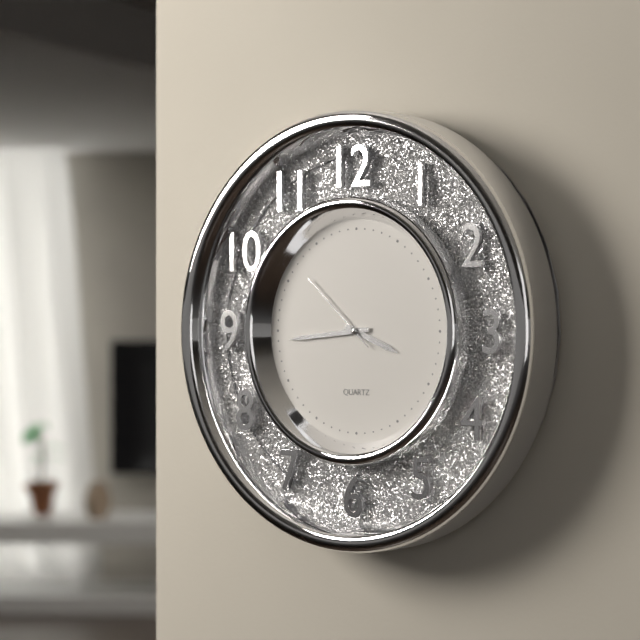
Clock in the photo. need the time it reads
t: 3:44:52
